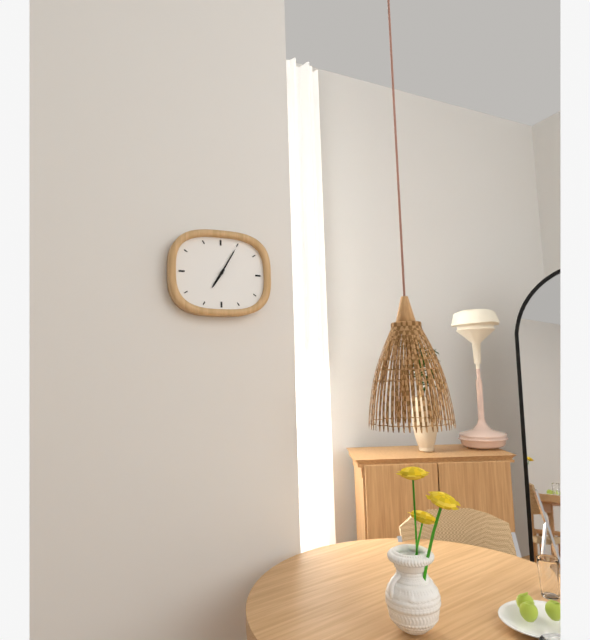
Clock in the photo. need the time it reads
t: 7:05
